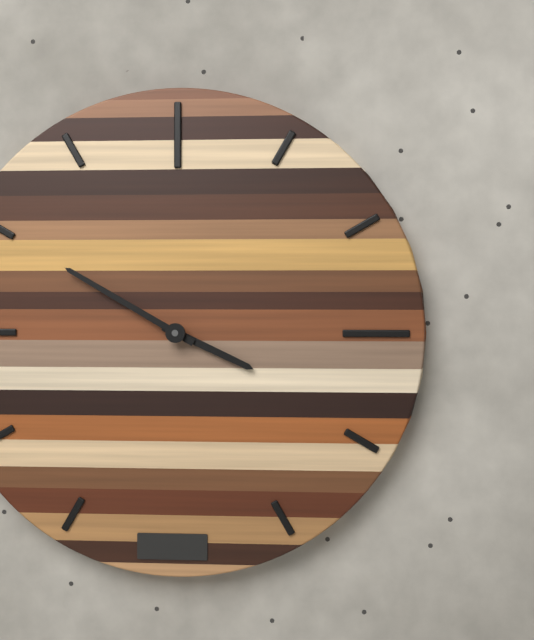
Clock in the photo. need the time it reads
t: 3:50
